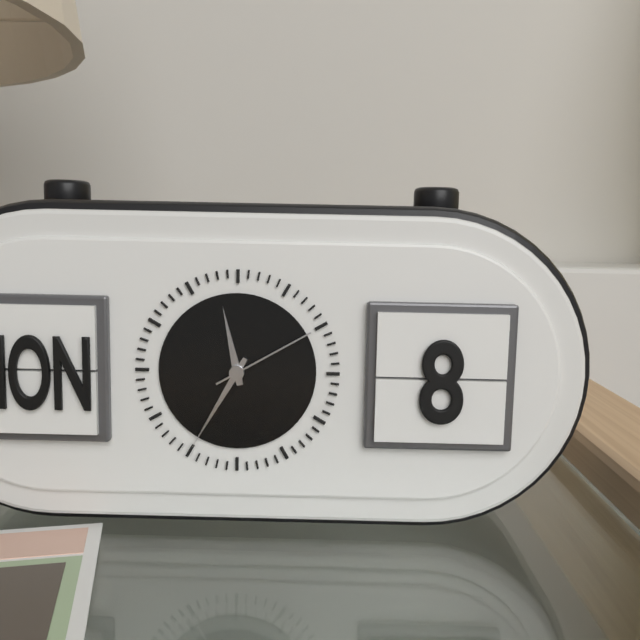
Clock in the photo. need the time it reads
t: 11:35:10
